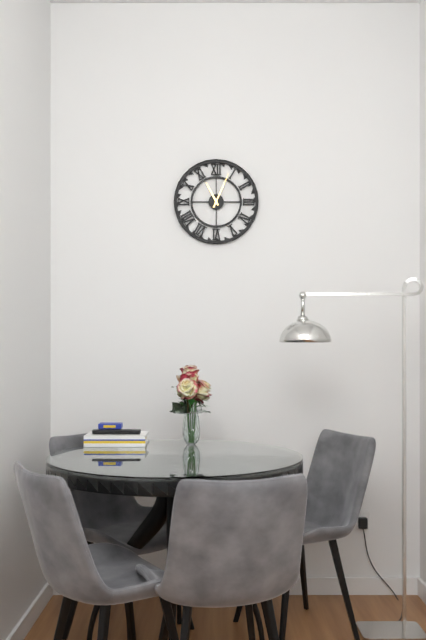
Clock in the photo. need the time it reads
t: 11:04
